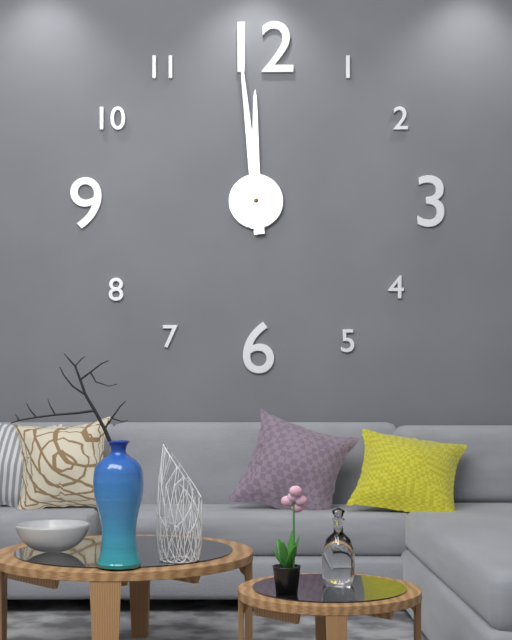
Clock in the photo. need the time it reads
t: 11:59
